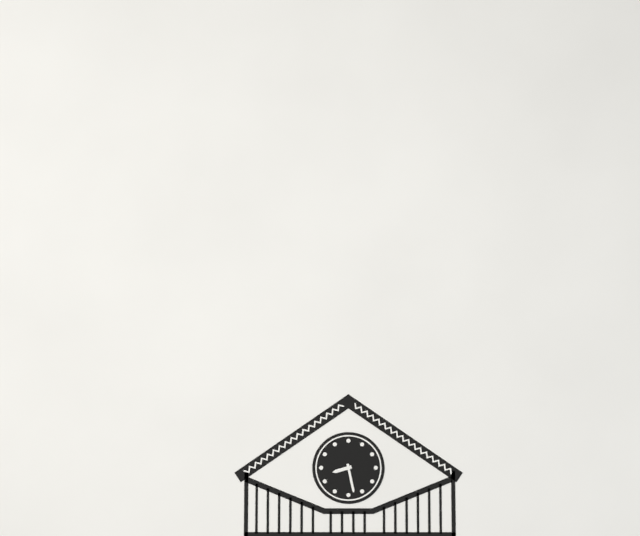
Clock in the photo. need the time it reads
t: 8:28
